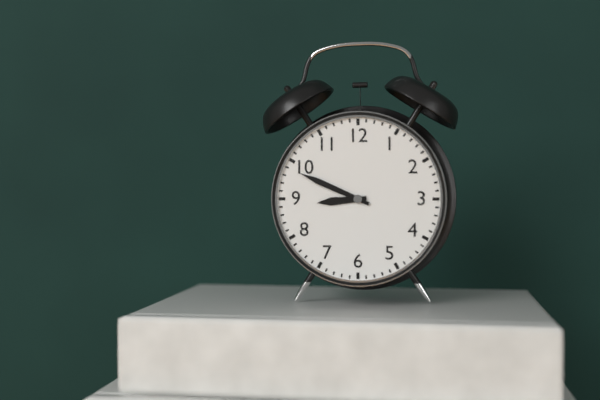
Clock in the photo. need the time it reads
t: 8:49
